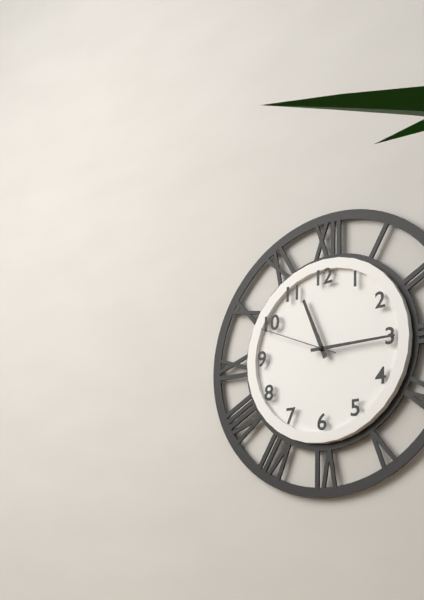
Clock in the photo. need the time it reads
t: 11:15:49
